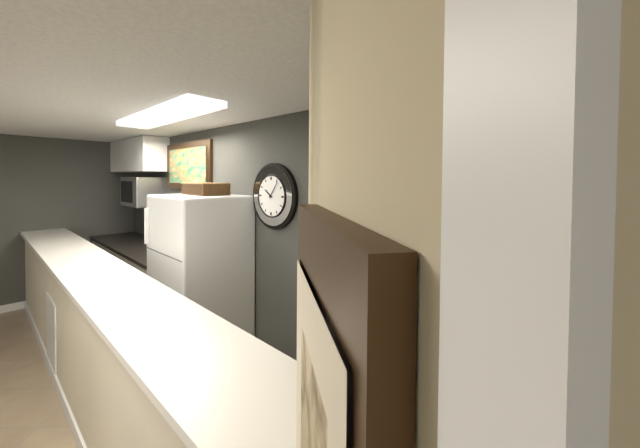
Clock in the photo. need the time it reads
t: 10:06
